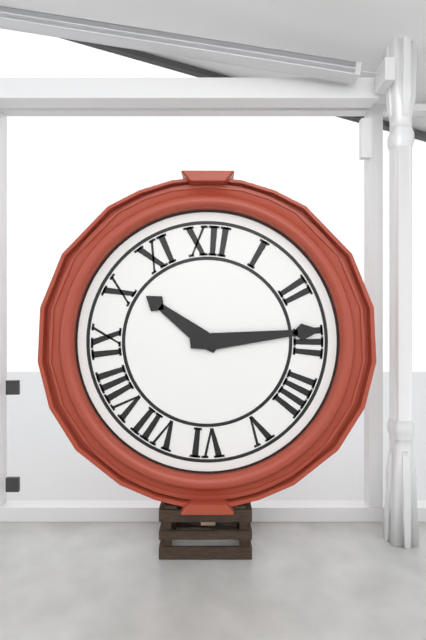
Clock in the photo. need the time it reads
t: 10:14
